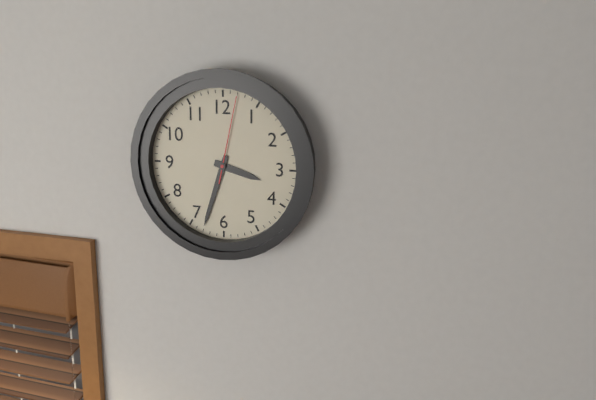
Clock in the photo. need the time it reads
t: 3:33:02
